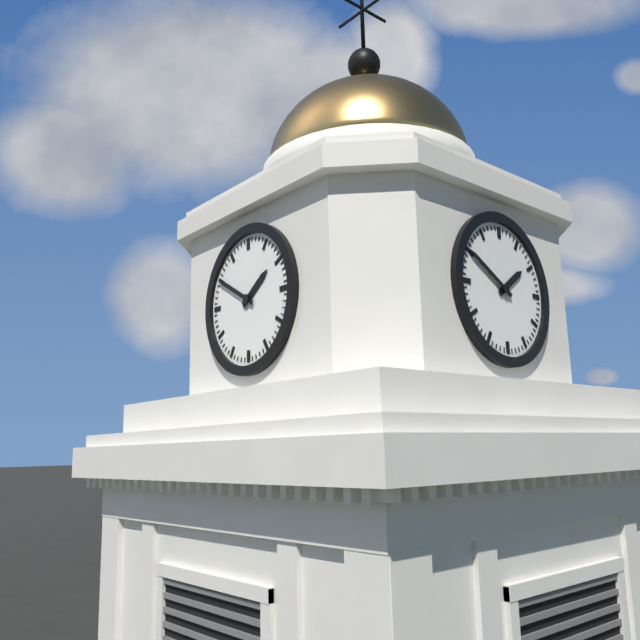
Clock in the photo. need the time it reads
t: 1:50
